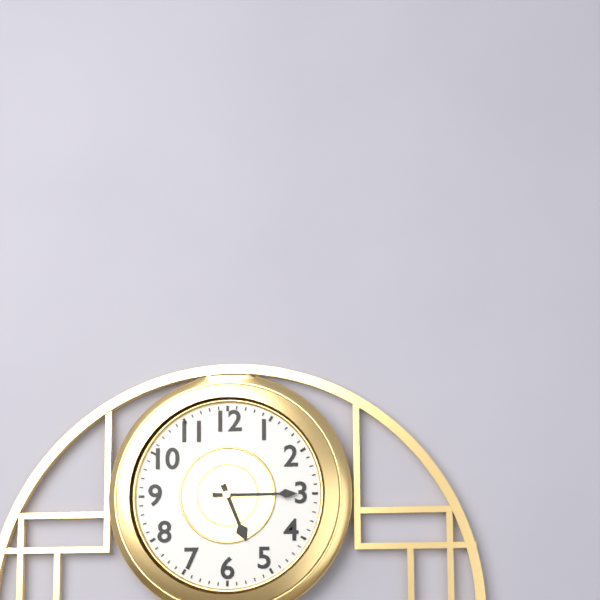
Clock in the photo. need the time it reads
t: 5:15
